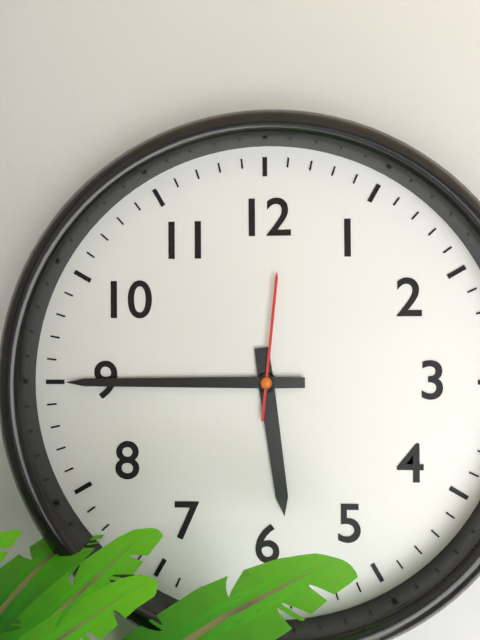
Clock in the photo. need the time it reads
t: 5:45:01
